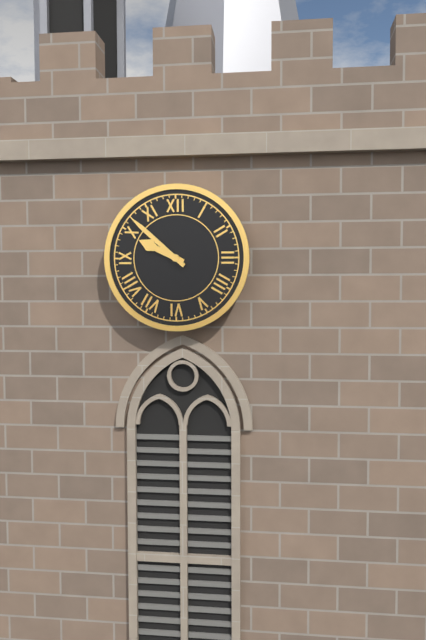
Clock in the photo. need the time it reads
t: 9:52
